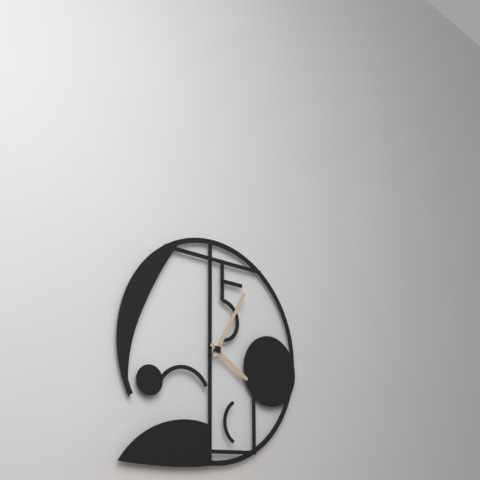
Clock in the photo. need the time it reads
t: 4:05
